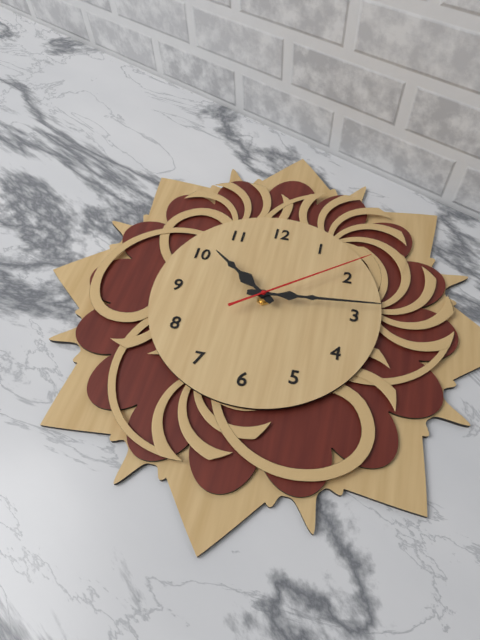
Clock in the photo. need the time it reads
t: 10:14:09
